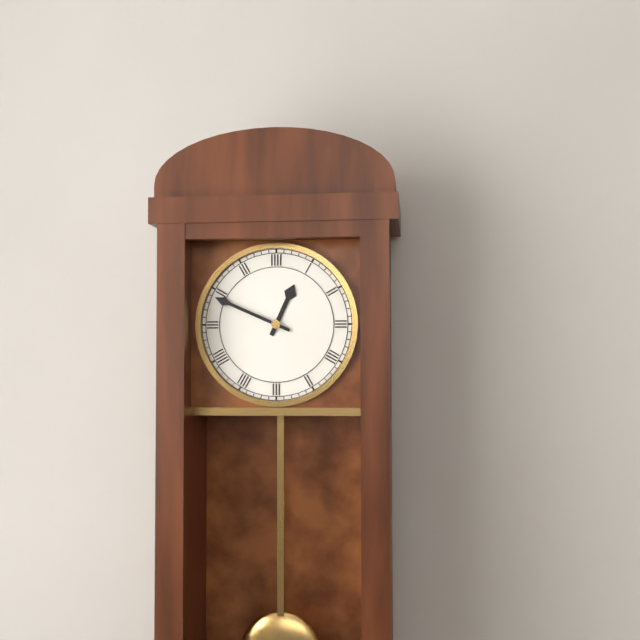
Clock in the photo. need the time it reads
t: 12:49
